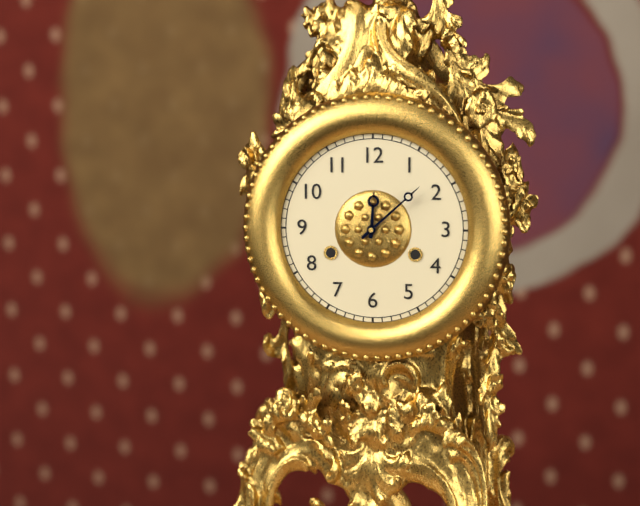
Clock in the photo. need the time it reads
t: 12:08
